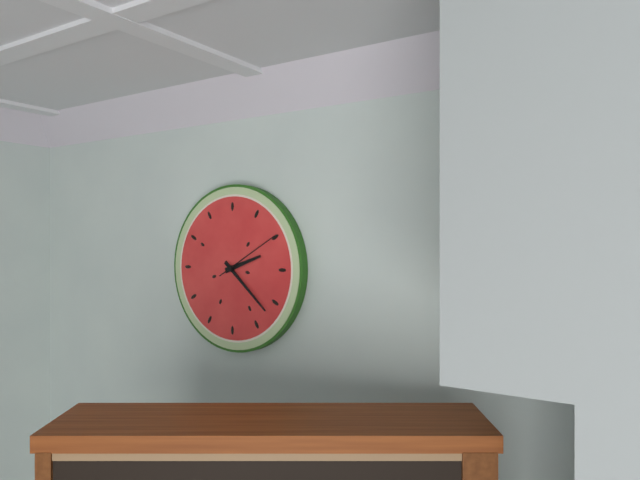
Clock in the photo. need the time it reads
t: 2:22:10
